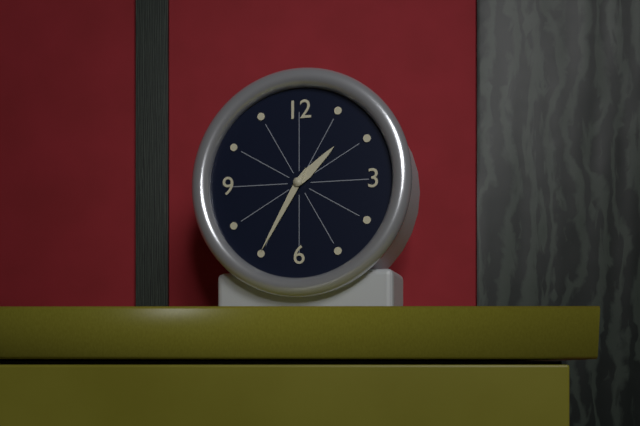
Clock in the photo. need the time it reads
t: 1:35
